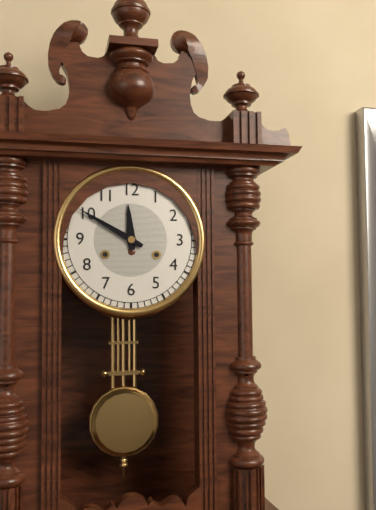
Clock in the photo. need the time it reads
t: 11:50
